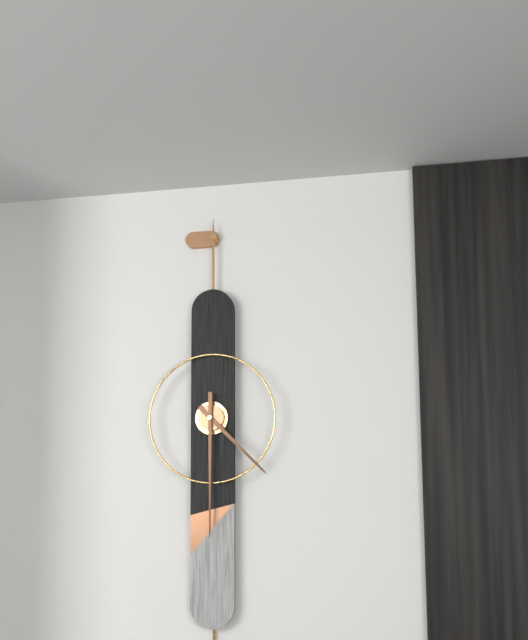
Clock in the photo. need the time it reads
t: 4:30
